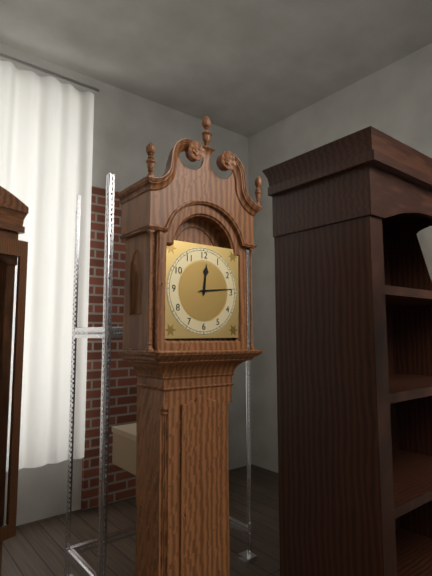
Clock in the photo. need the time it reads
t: 12:14
